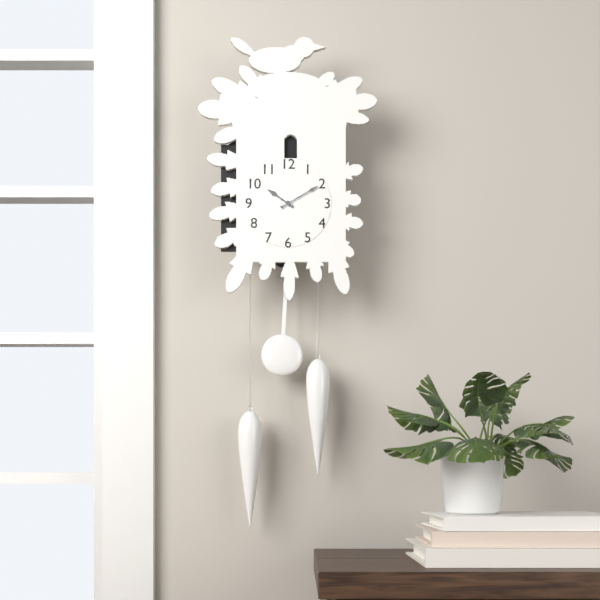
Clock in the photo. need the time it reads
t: 10:10
